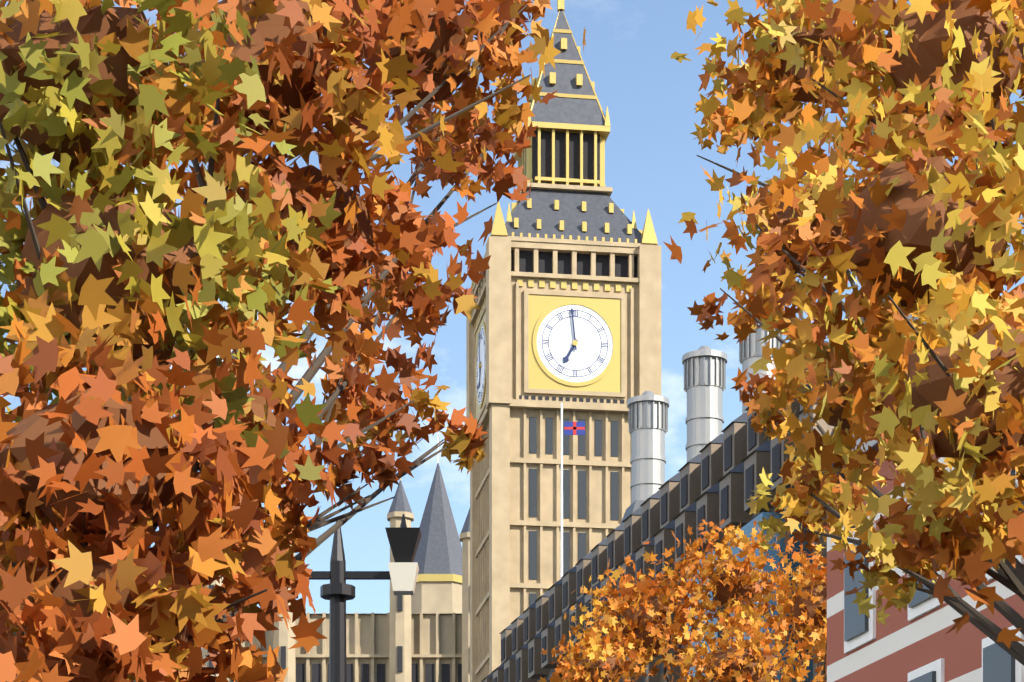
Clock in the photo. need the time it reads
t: 6:59
